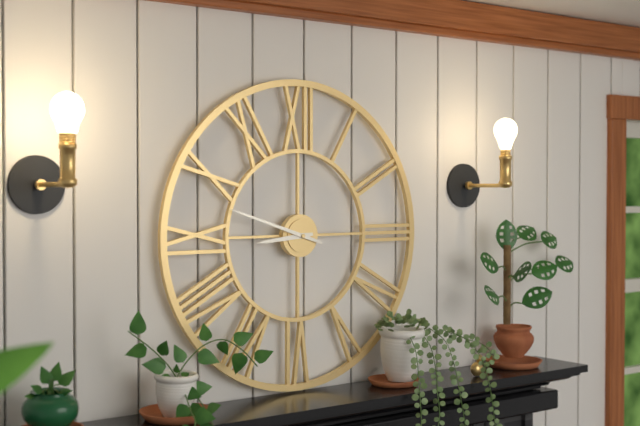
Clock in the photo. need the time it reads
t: 8:48
